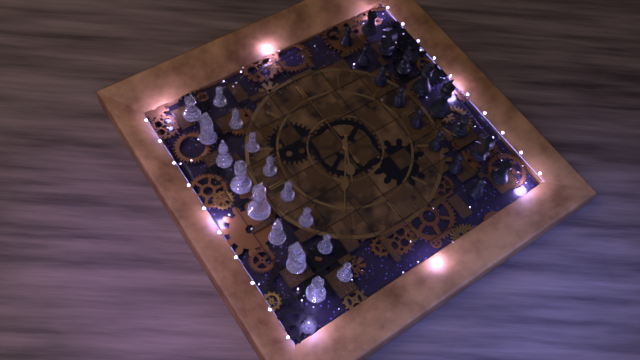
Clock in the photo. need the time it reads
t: 9:51:15
